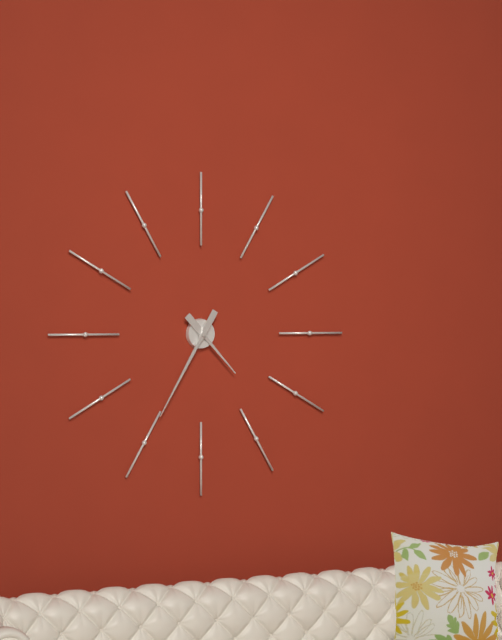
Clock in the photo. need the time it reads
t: 4:35
